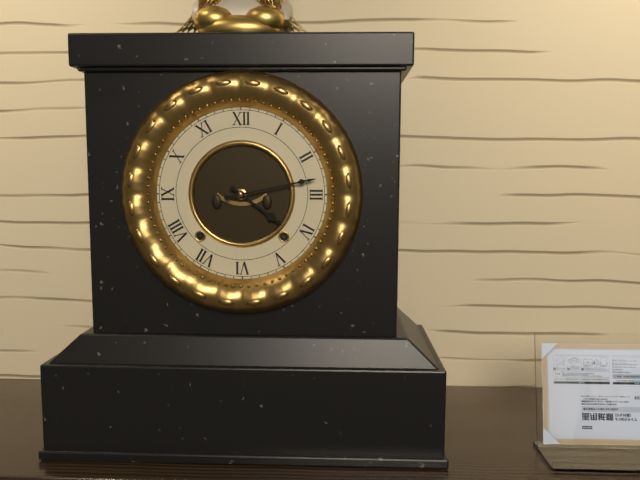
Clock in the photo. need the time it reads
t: 4:13
